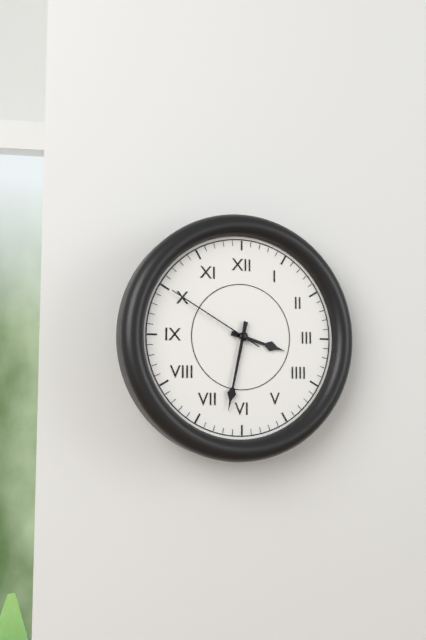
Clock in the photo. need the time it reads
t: 3:32:50
